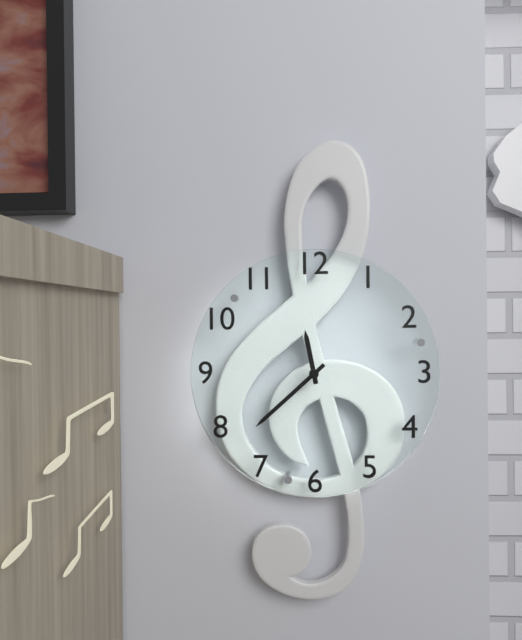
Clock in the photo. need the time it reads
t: 11:38
